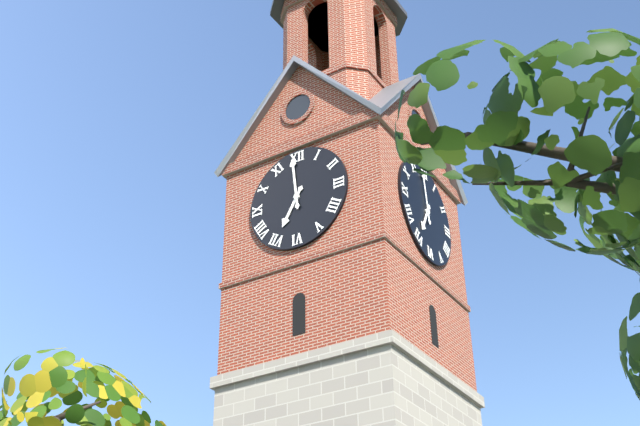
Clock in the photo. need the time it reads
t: 6:59
